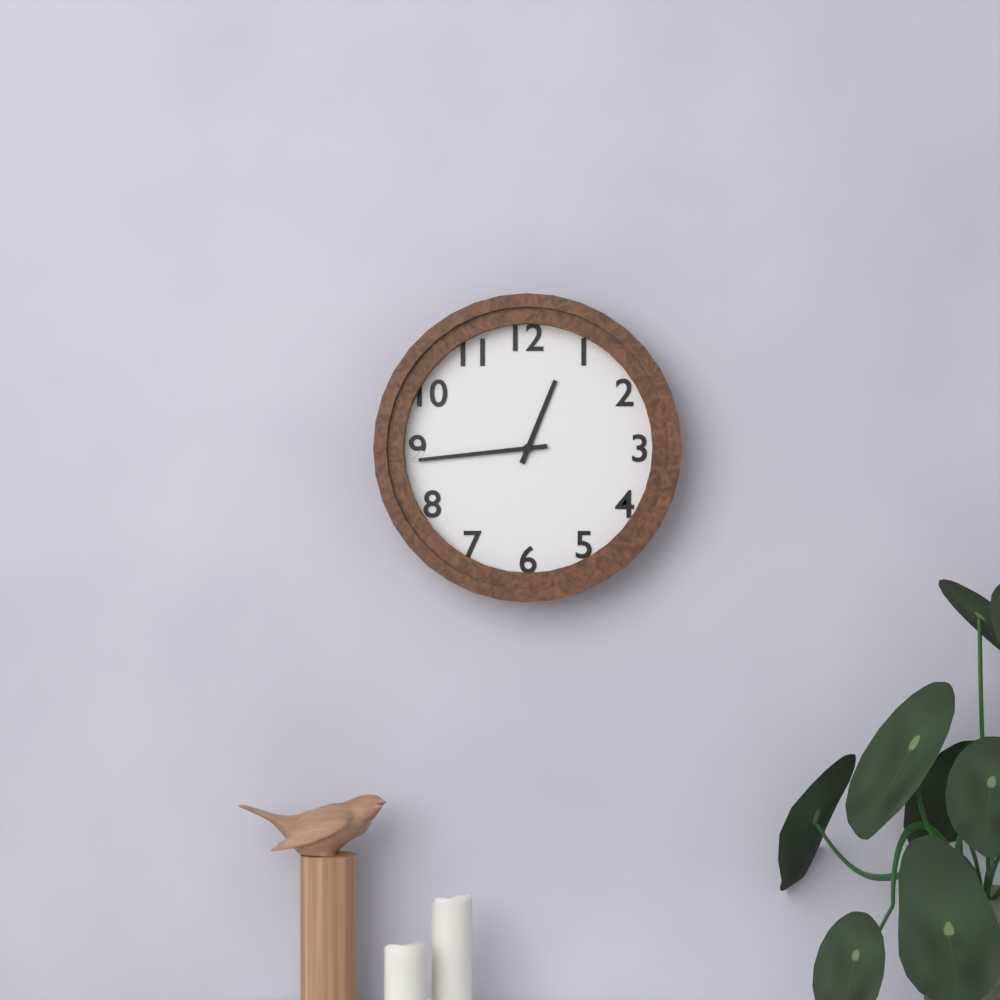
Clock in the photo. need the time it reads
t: 12:44
